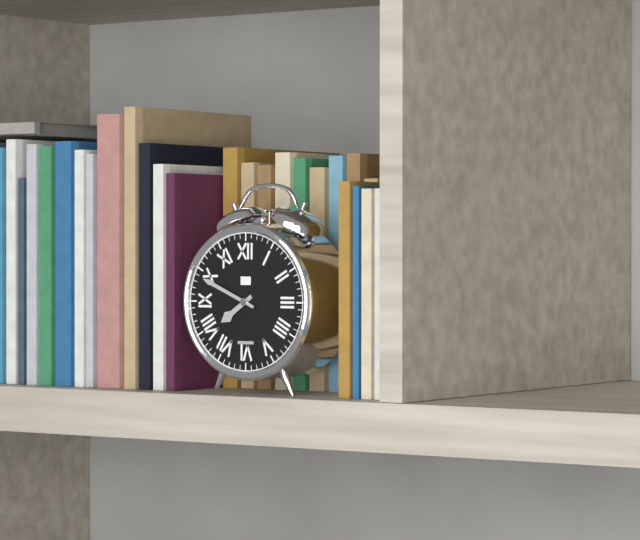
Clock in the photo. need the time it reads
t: 7:49
